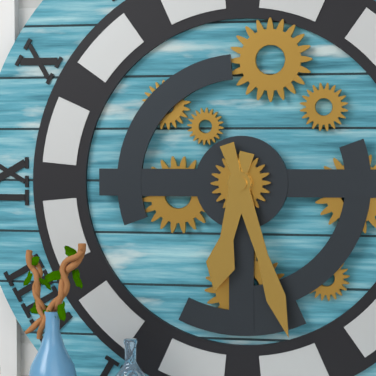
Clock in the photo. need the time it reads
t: 6:27
